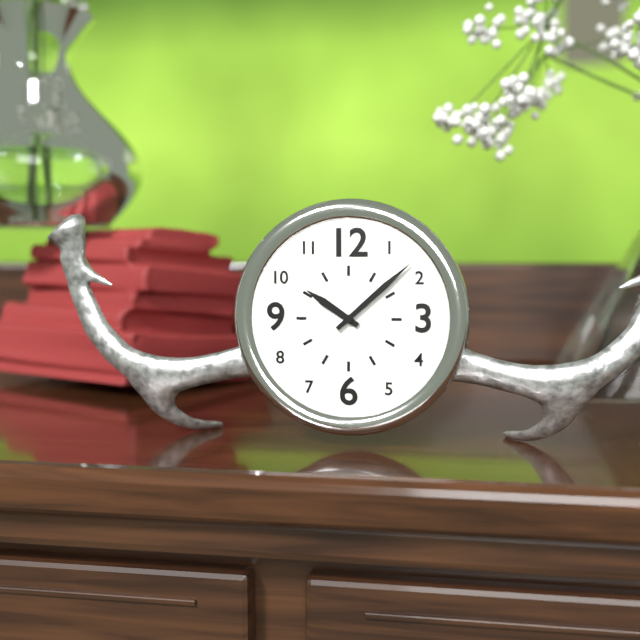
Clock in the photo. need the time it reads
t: 10:08
